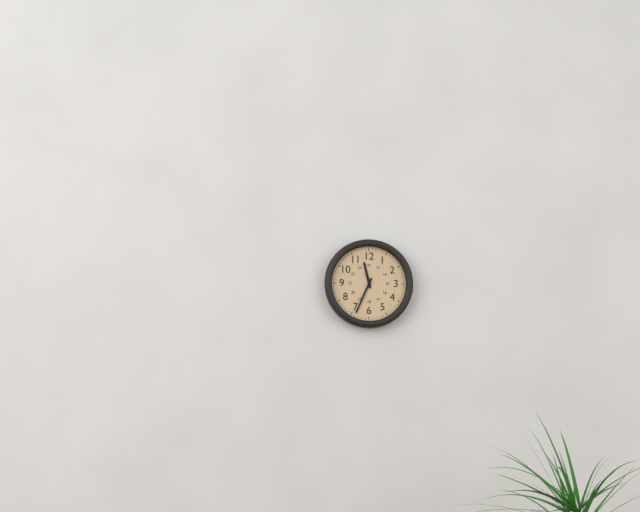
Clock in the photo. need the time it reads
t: 11:34
